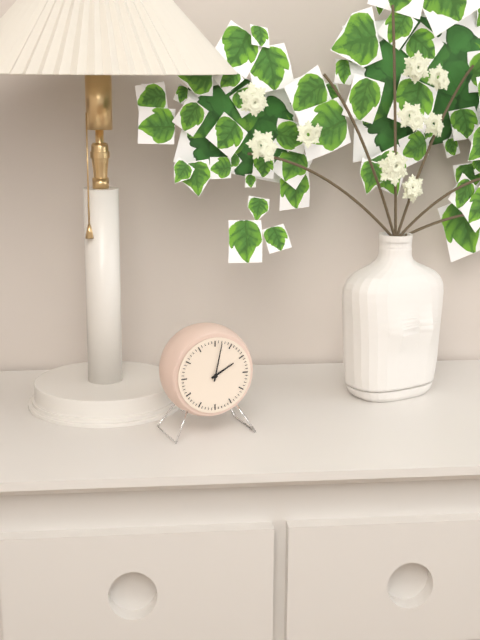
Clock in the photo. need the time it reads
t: 2:02
